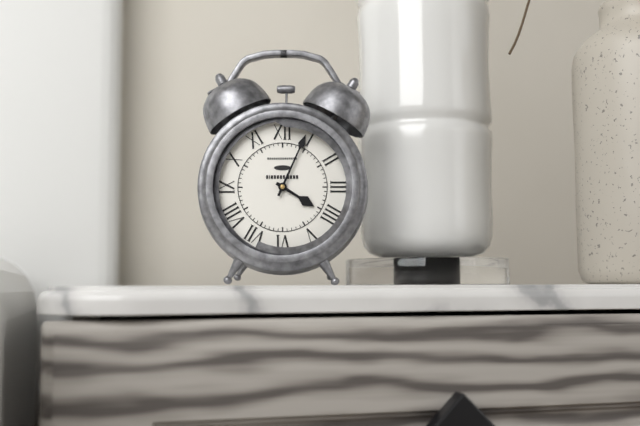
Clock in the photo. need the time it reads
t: 4:04
